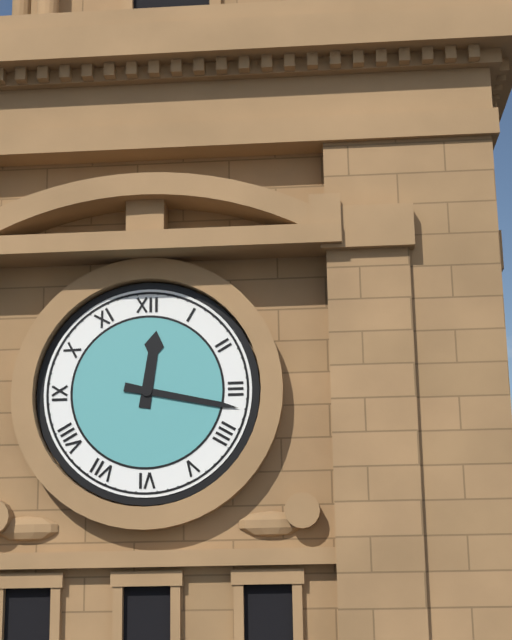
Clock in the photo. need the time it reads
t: 12:17
